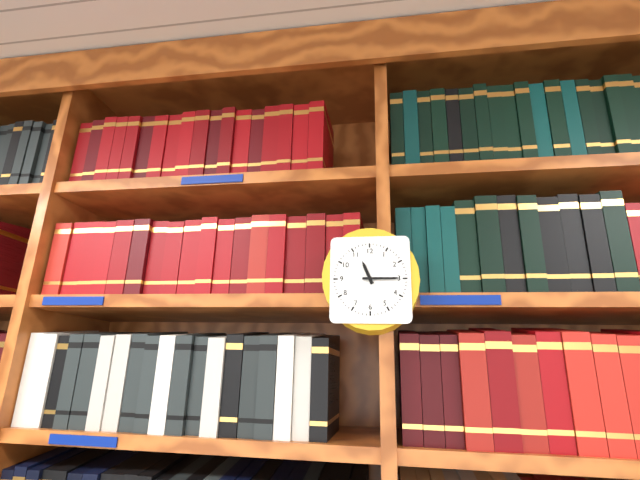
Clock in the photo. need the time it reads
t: 11:15
